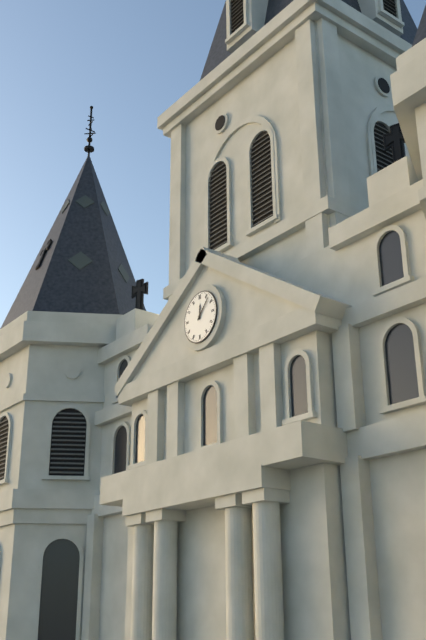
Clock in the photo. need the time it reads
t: 12:07
